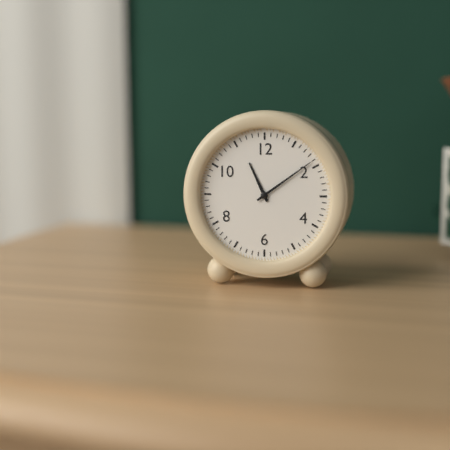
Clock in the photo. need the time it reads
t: 11:09
